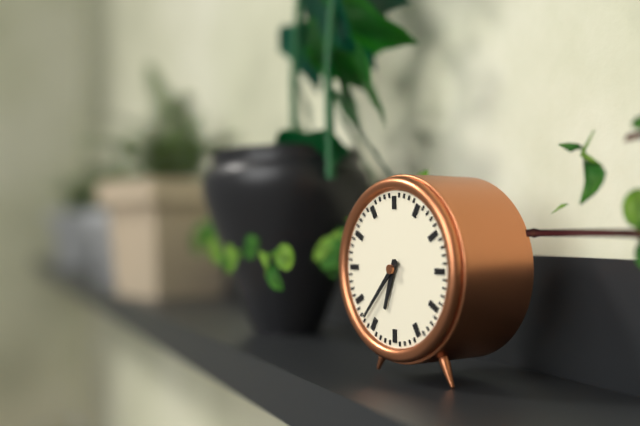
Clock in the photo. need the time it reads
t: 6:37
